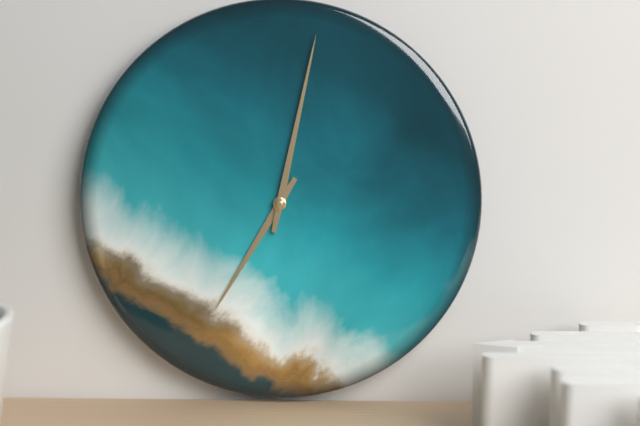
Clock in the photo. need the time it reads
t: 7:02
